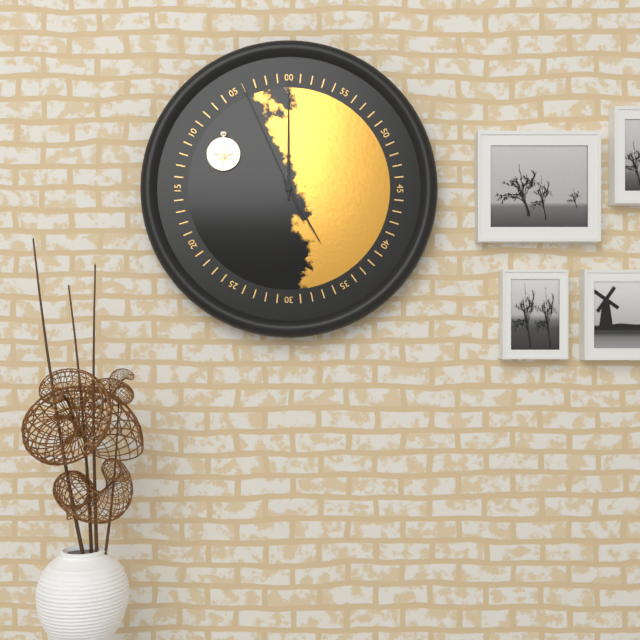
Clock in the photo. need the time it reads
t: 5:00:56
